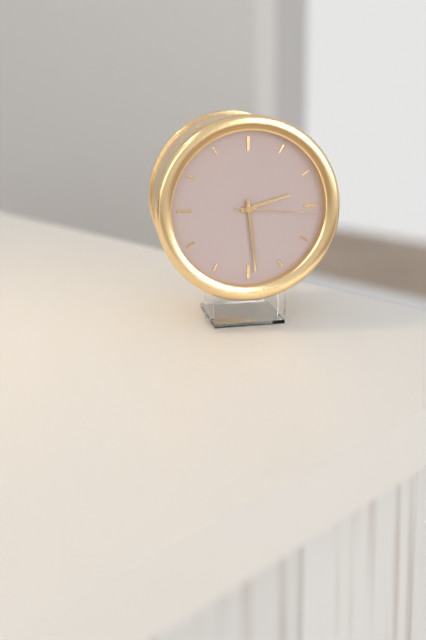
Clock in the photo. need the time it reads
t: 2:29:16
